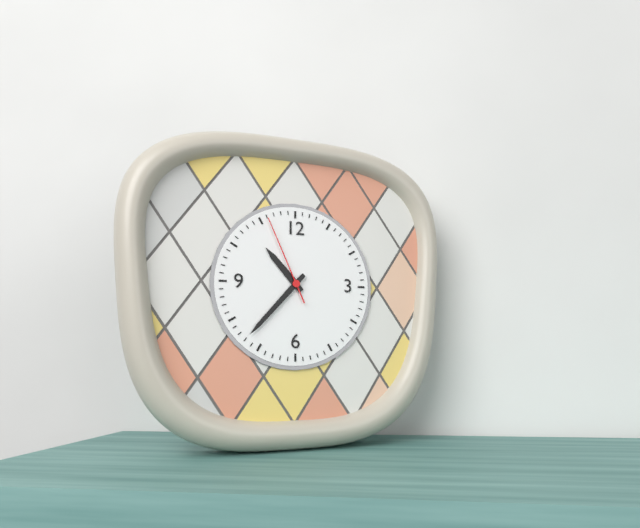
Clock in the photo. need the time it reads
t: 10:37:56
